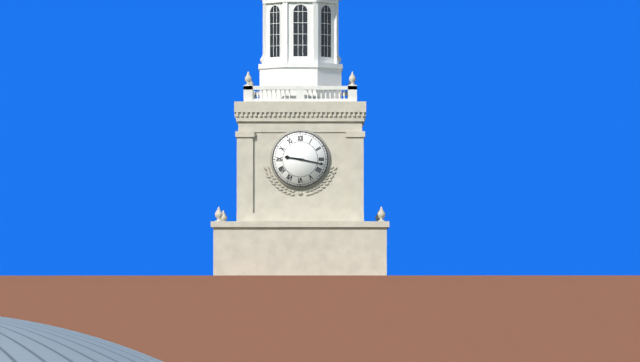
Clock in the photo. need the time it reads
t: 9:17
